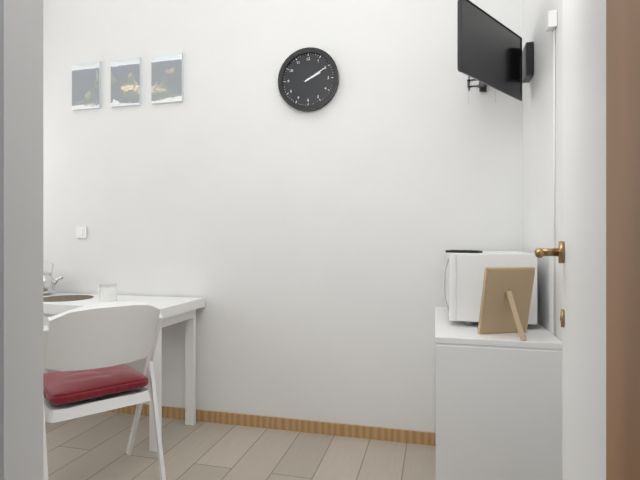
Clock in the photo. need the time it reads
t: 2:10
